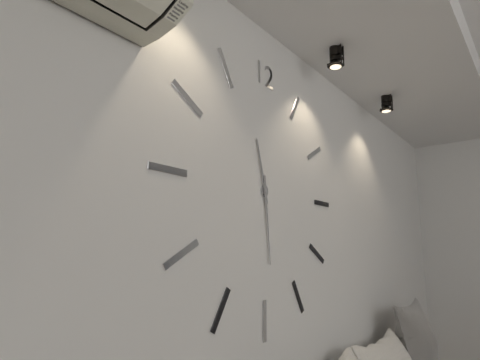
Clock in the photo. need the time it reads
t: 11:29
